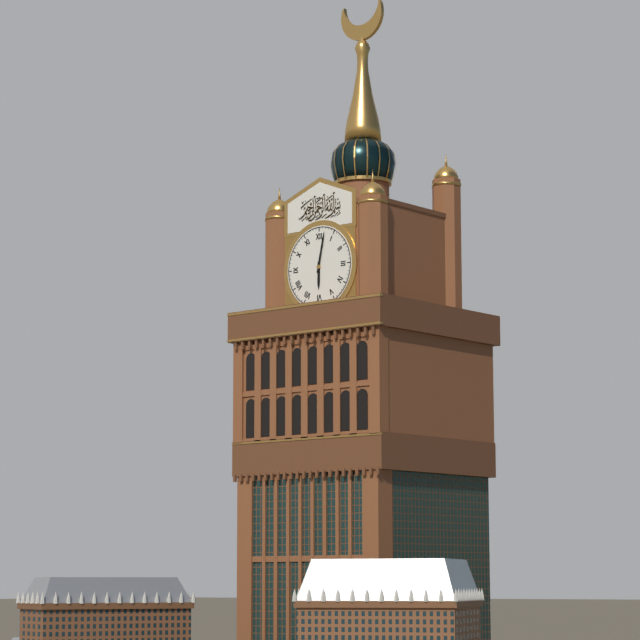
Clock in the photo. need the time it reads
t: 6:02
